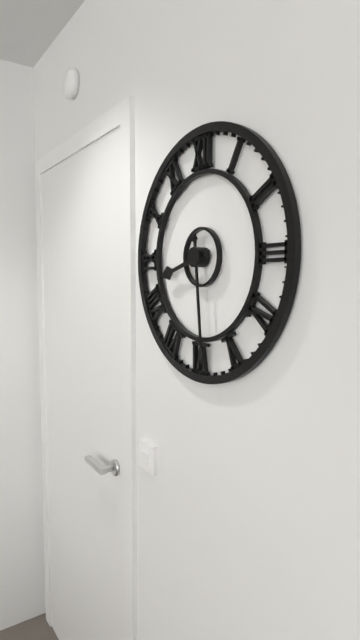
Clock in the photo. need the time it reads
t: 8:29
